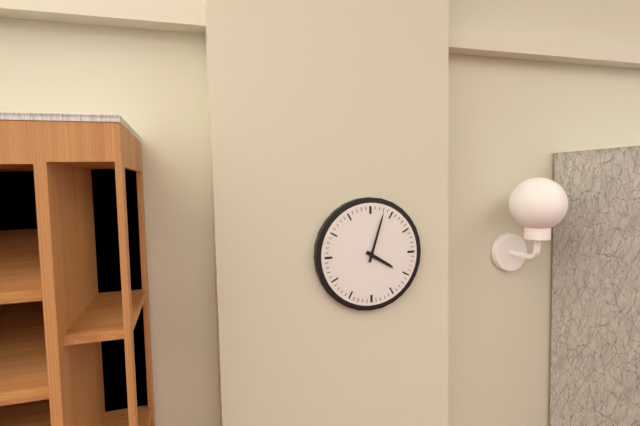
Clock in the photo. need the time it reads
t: 4:03
